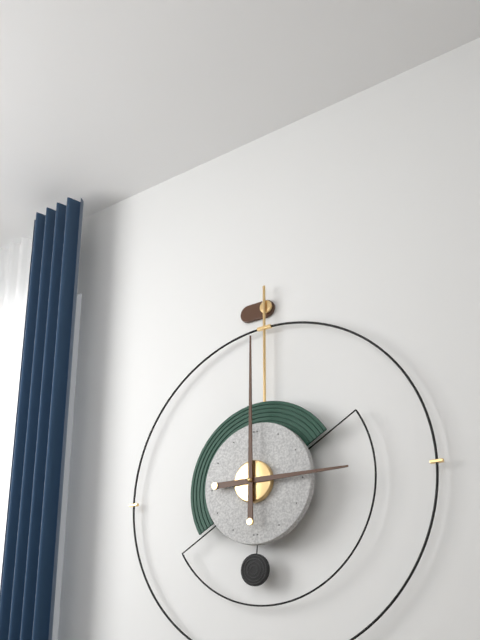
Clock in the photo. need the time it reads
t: 3:00
